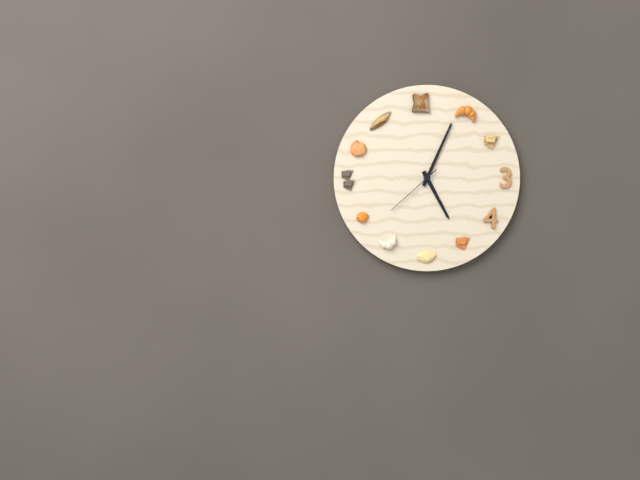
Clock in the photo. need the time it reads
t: 5:04:38
